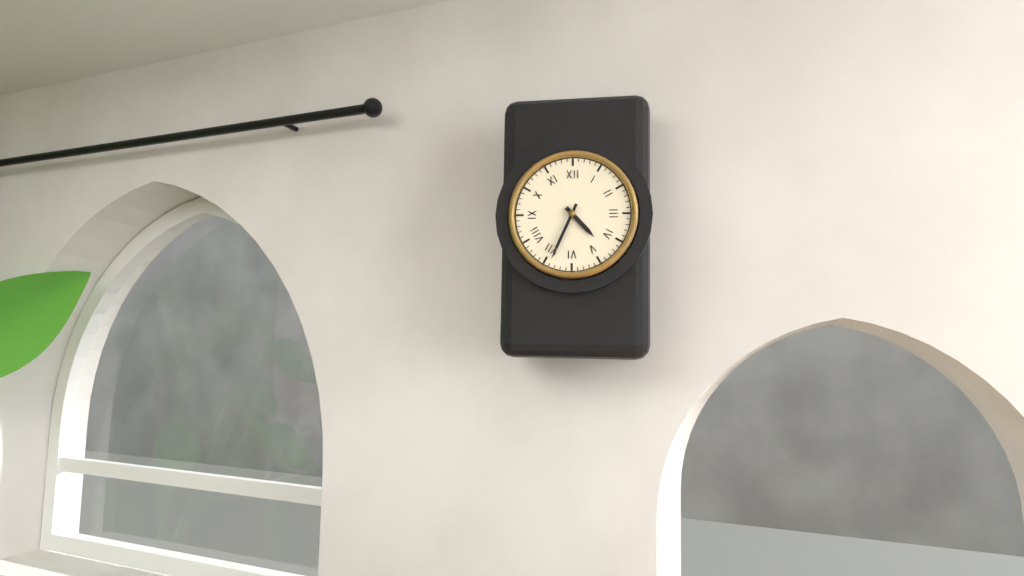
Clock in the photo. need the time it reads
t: 4:34
